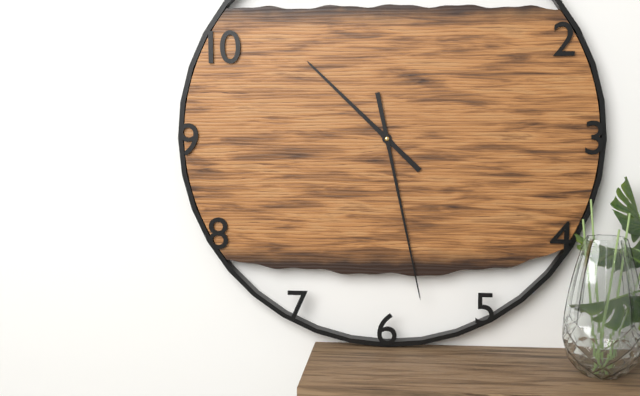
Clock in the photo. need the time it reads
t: 10:28
